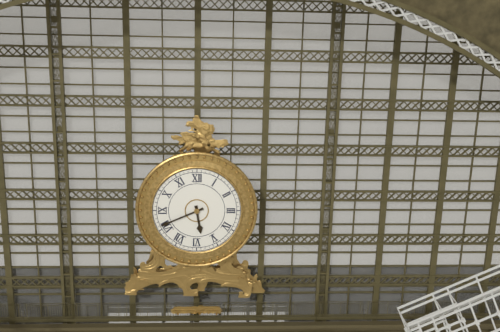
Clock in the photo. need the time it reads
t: 5:41
